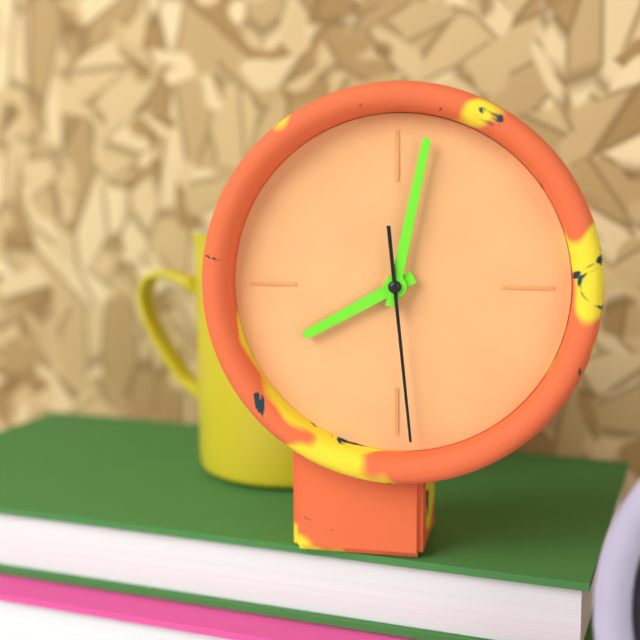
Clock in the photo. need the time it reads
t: 8:02:29
